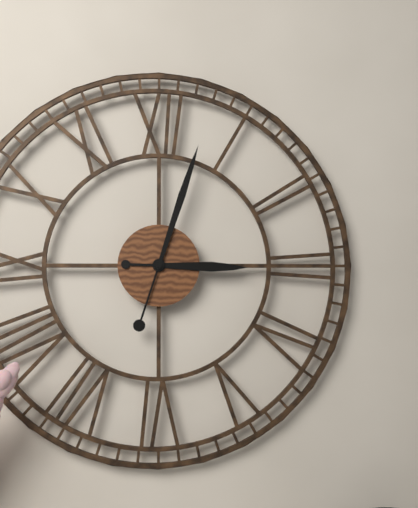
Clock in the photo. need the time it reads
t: 3:03
